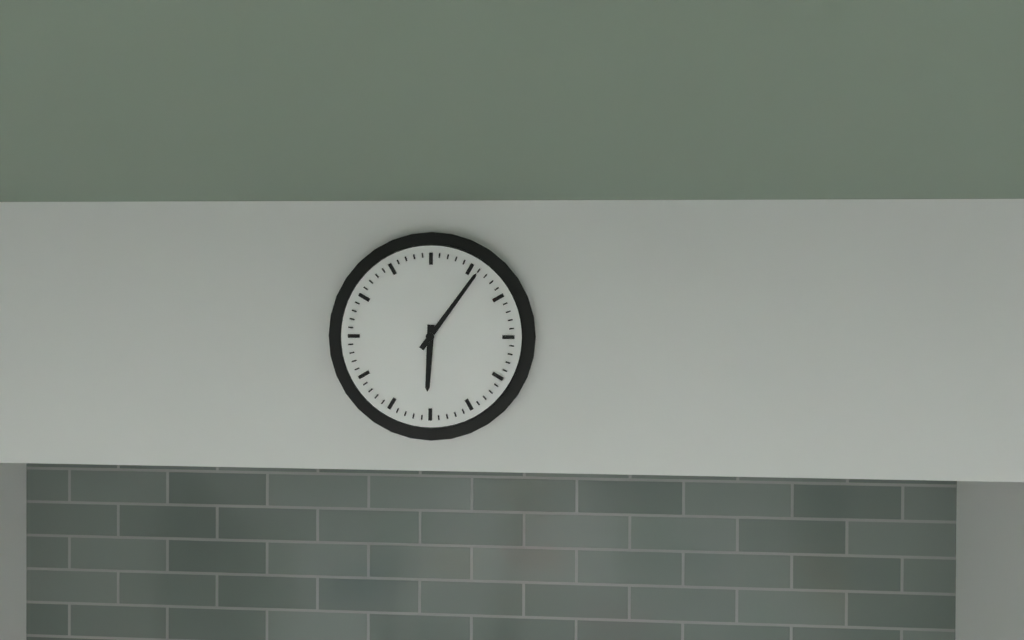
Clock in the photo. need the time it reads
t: 6:06
